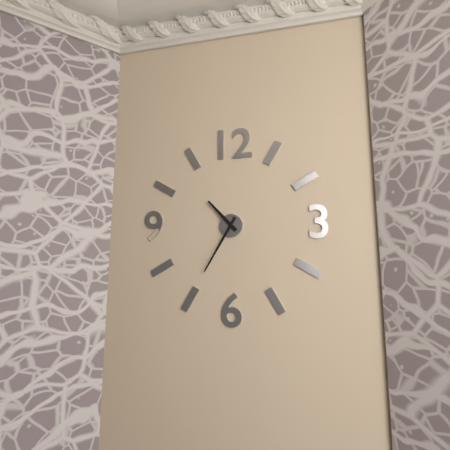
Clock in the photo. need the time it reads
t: 10:35
